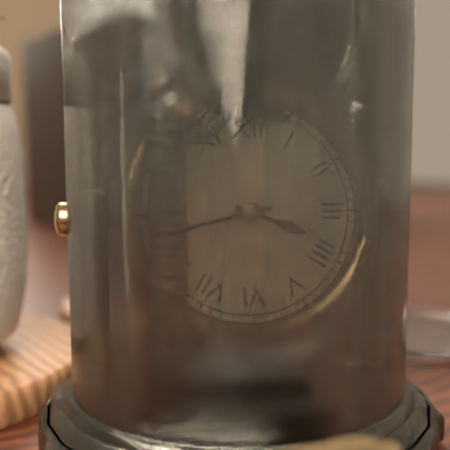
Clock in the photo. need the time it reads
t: 3:43
